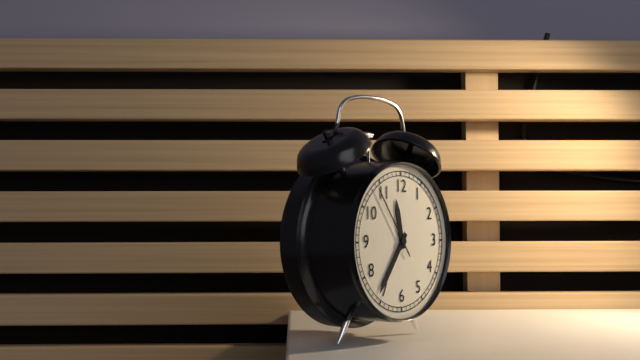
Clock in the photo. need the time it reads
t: 11:36:54
